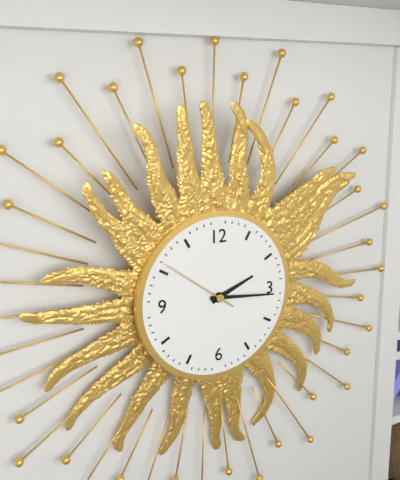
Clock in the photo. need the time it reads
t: 2:16:51
